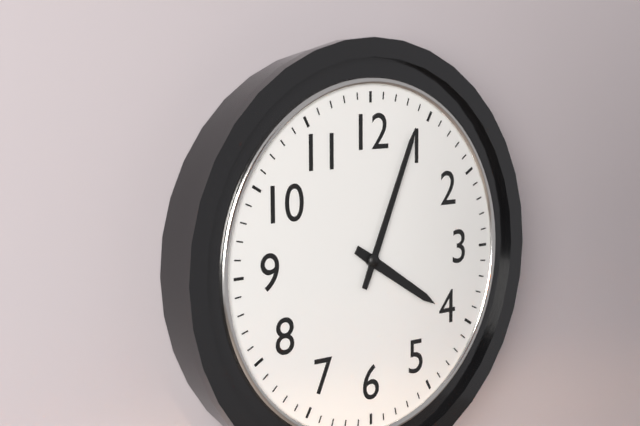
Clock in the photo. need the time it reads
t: 4:04
